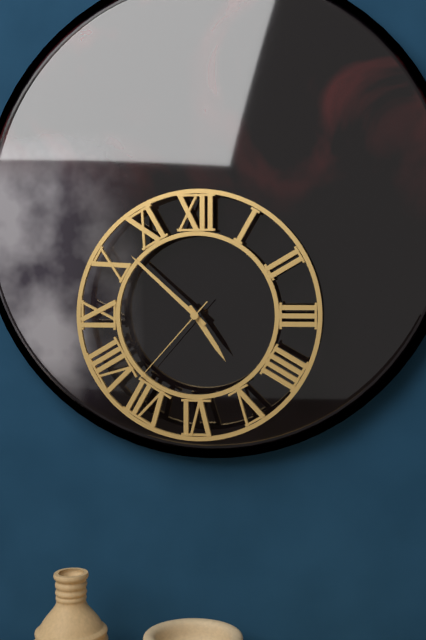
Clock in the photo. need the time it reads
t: 4:52:37
